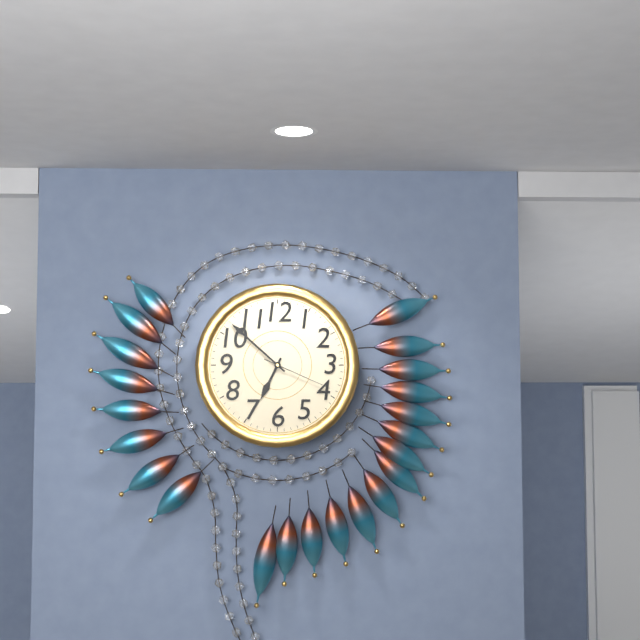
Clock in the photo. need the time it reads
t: 6:52:19
